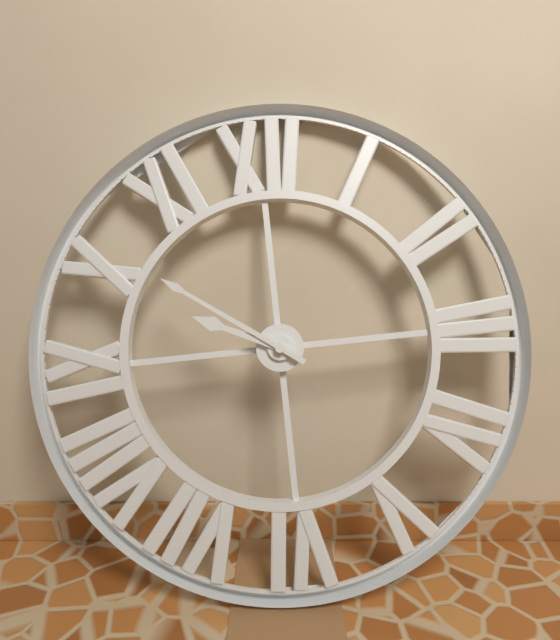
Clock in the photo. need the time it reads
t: 9:51
